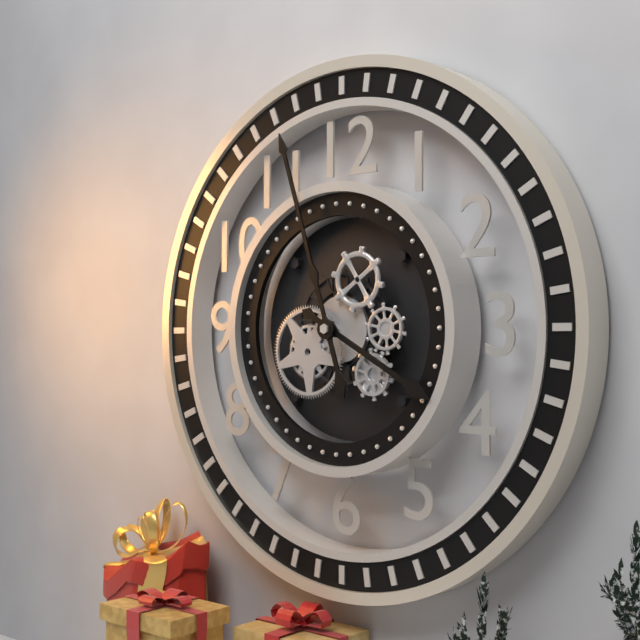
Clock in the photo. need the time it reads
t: 3:57
